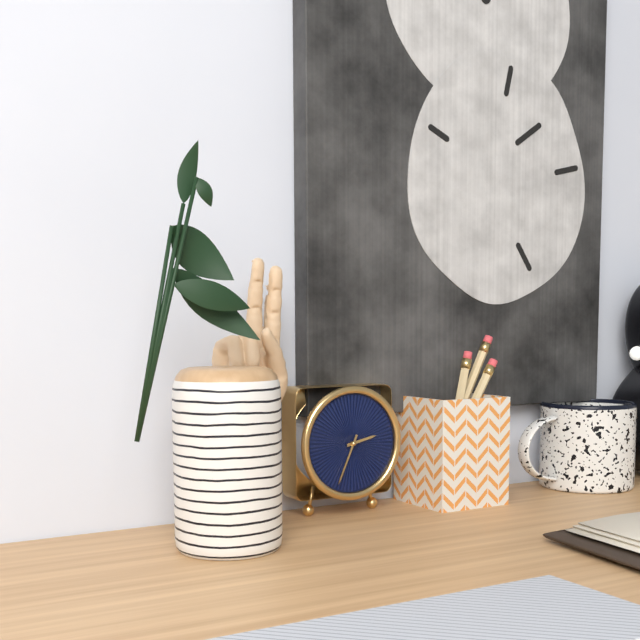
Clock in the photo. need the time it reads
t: 2:34
